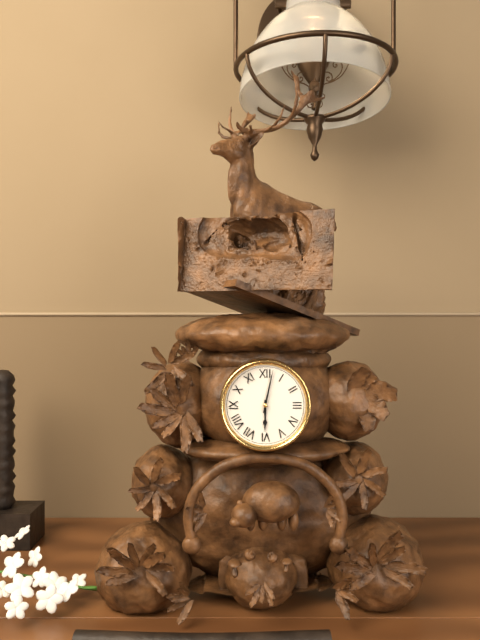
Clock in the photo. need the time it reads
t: 6:02
